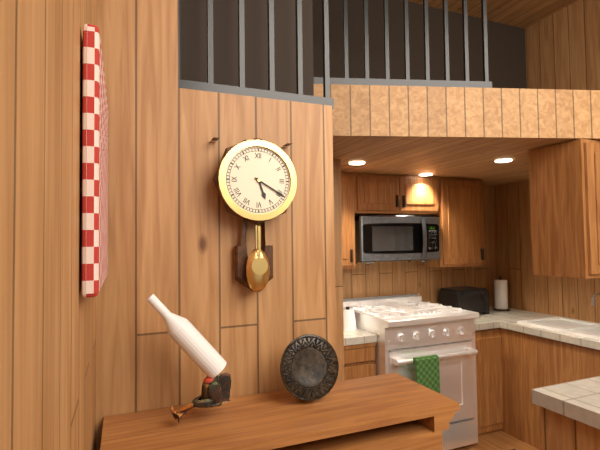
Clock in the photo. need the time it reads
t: 5:20
